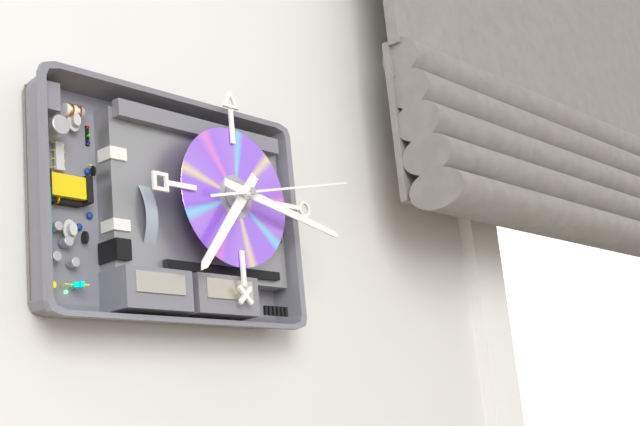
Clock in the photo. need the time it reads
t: 7:17:13
